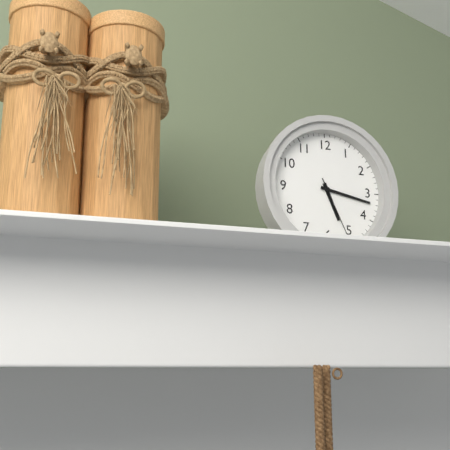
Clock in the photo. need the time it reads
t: 5:17:26
